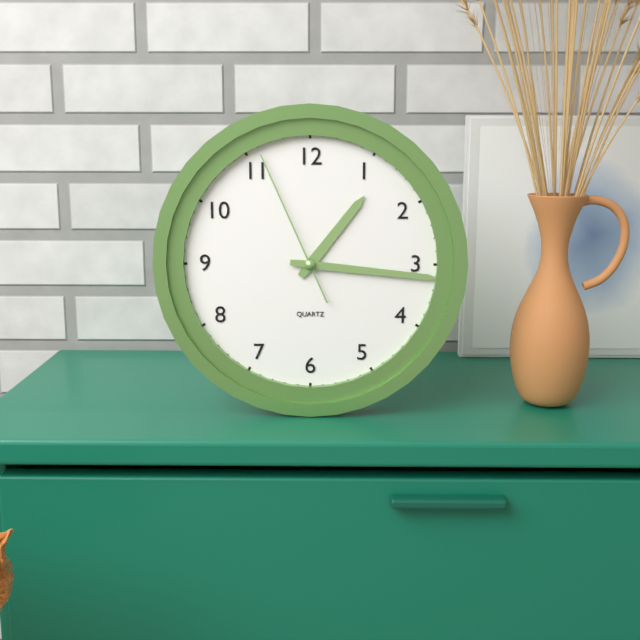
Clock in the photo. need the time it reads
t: 1:16:56
